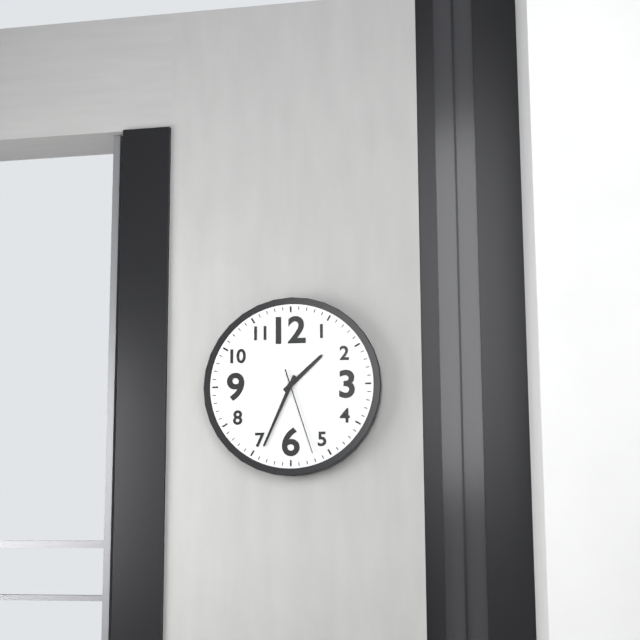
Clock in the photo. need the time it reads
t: 1:34:27
